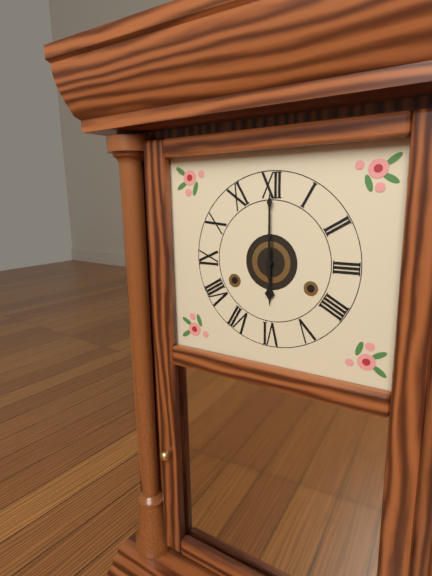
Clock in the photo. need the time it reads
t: 6:00
